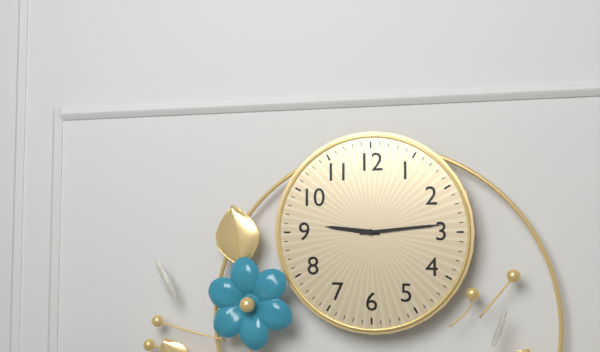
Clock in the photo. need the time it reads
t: 9:14
